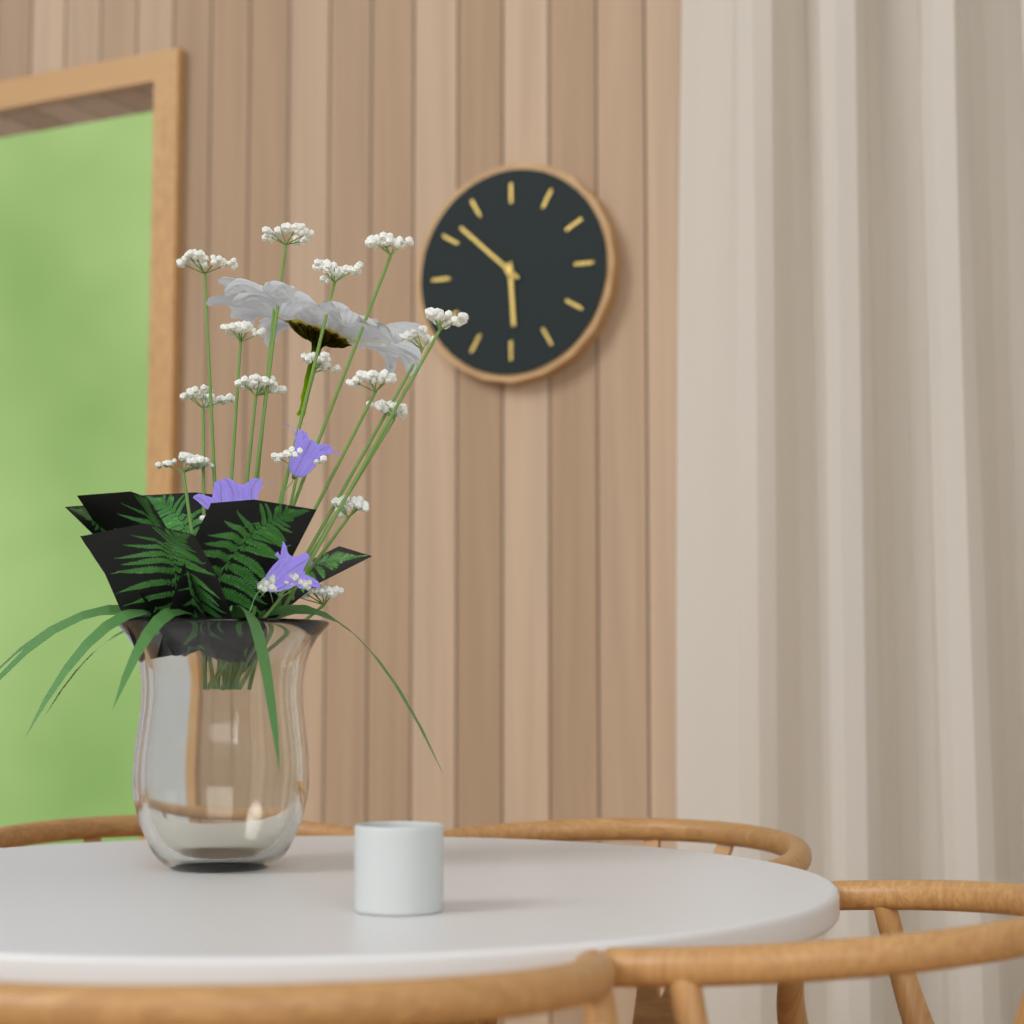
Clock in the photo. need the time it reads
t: 5:52
